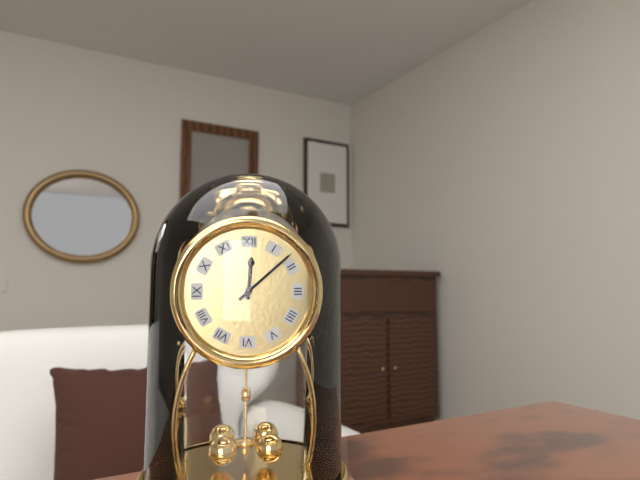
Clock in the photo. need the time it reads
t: 12:08
